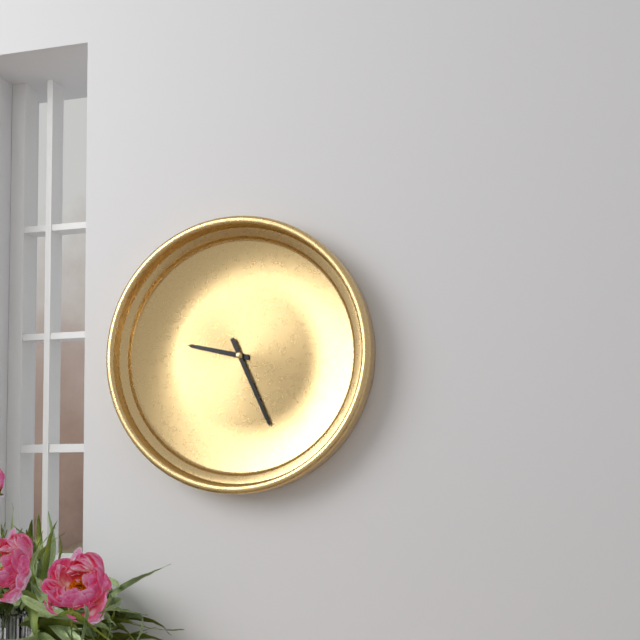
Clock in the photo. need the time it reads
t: 9:26
